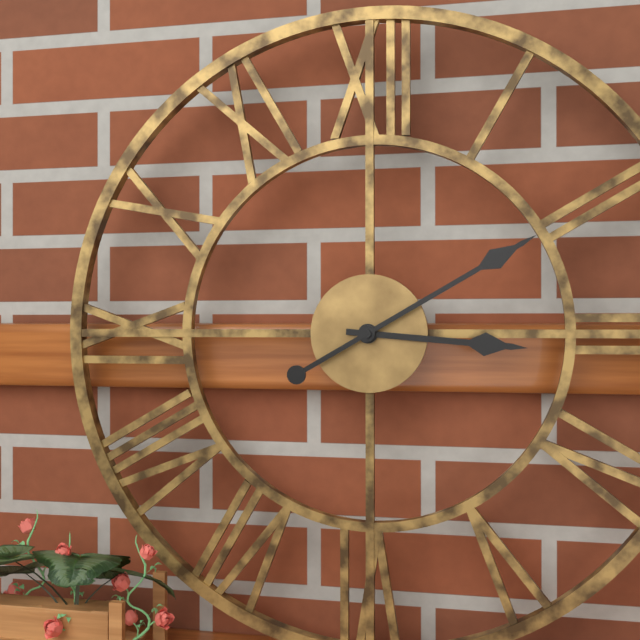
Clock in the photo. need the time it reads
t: 3:10
